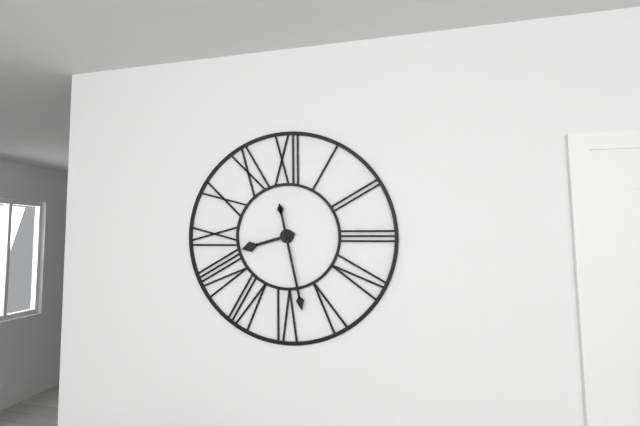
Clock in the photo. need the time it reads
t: 8:28
